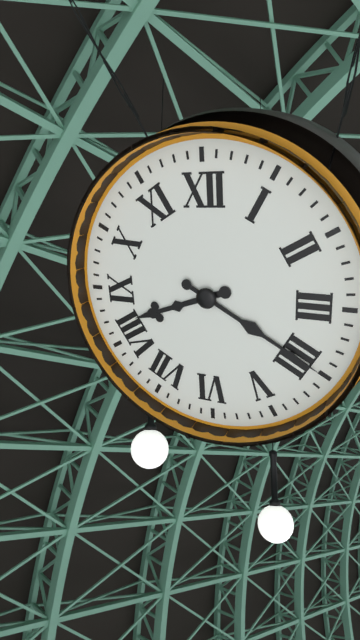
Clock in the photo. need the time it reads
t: 8:20
